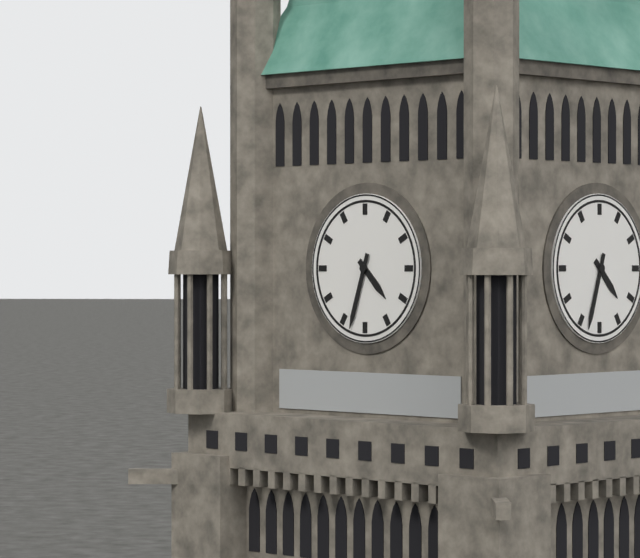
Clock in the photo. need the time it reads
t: 4:33
